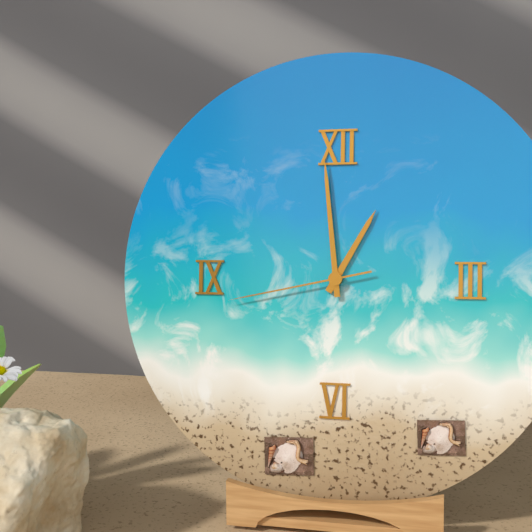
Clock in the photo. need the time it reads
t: 12:59:43
